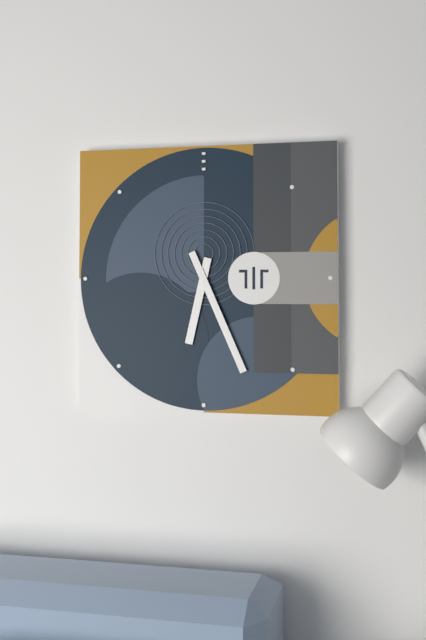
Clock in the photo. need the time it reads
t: 6:26
